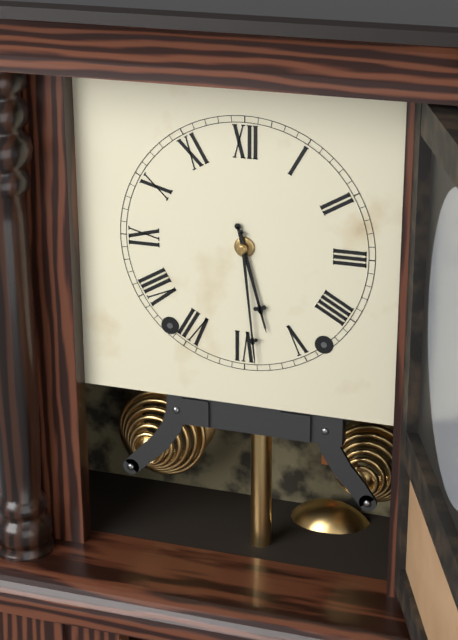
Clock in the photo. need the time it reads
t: 5:29
